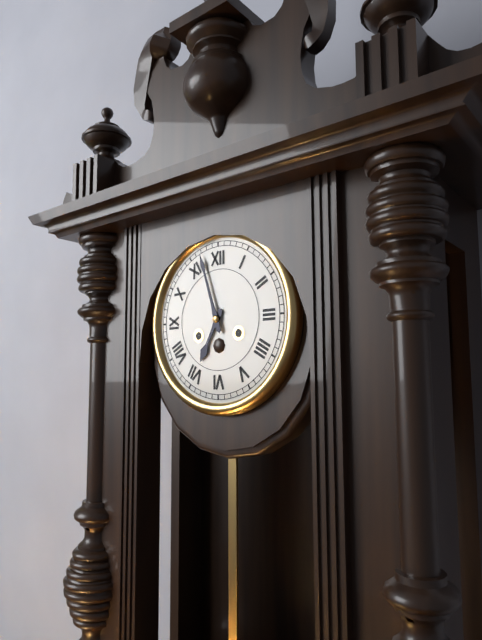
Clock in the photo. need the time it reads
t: 6:57
